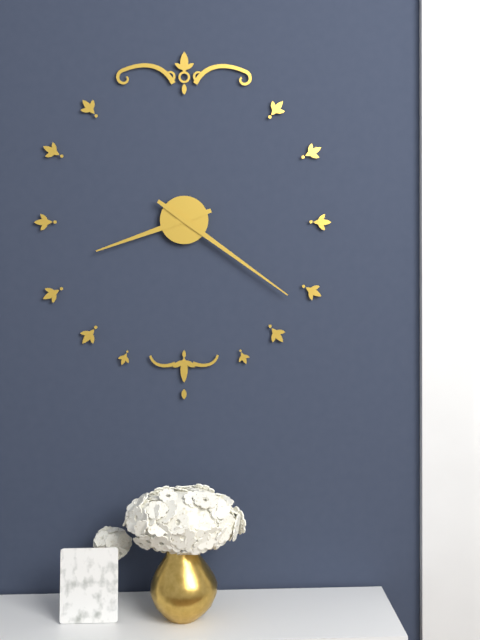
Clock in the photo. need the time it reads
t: 8:21
